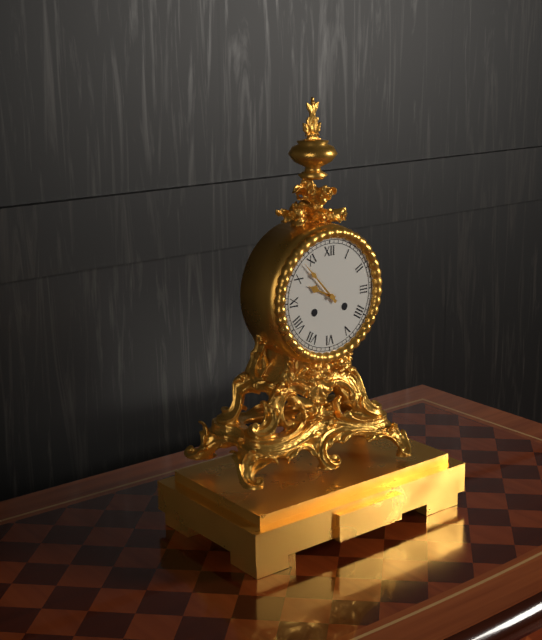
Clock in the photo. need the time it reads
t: 9:53
